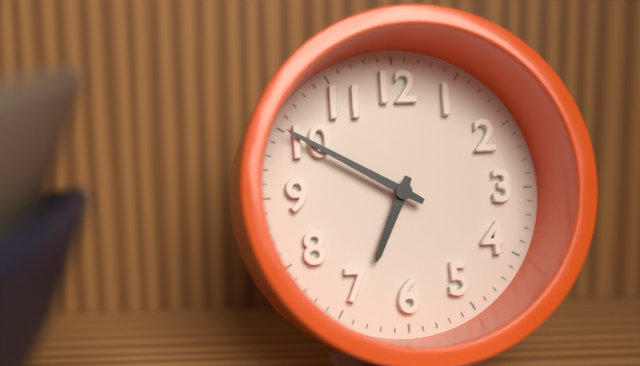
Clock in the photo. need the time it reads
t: 6:50
